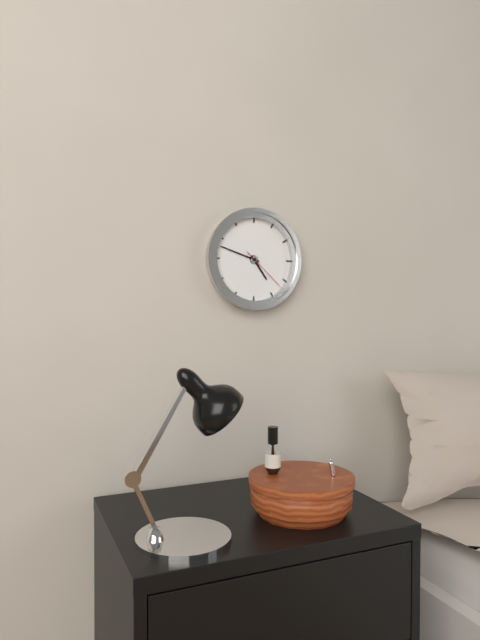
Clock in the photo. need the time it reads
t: 4:48
